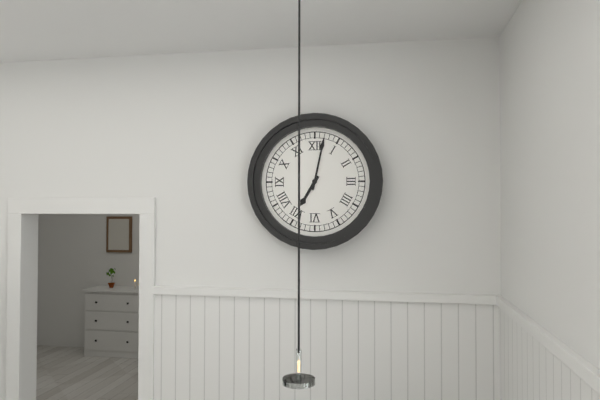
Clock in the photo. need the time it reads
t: 7:02
